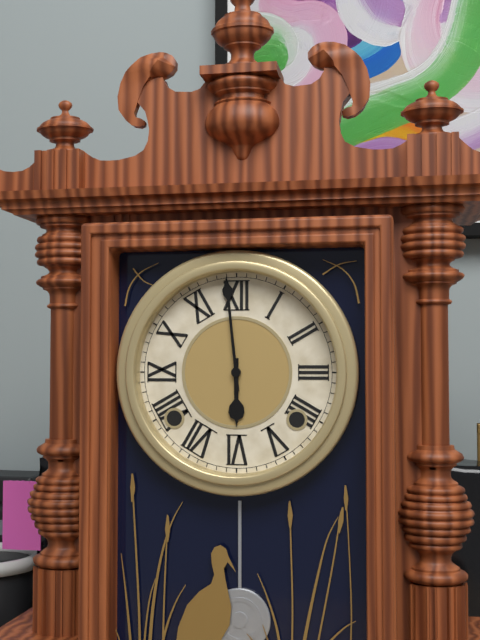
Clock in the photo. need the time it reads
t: 5:59
